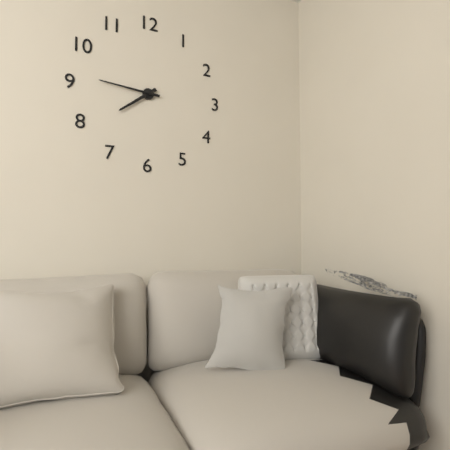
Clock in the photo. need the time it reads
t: 7:46
